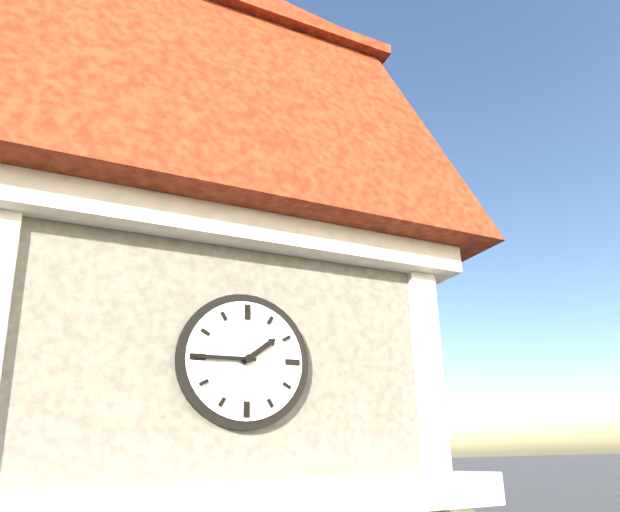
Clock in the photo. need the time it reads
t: 1:45
